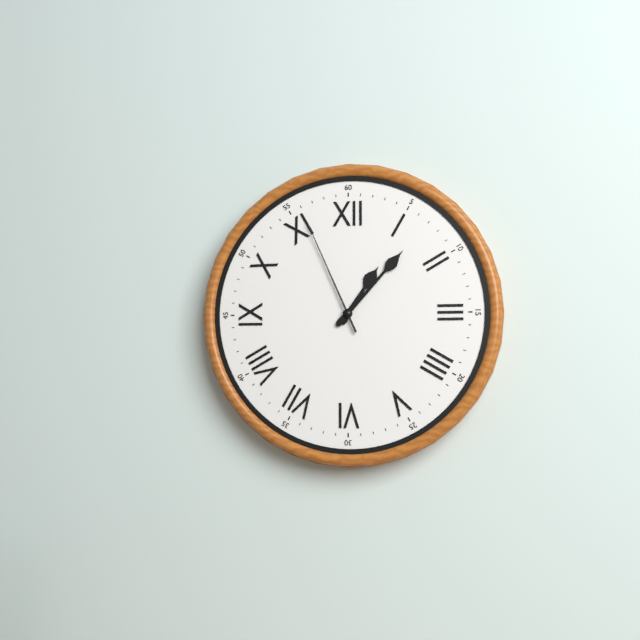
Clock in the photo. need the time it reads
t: 1:07:56
